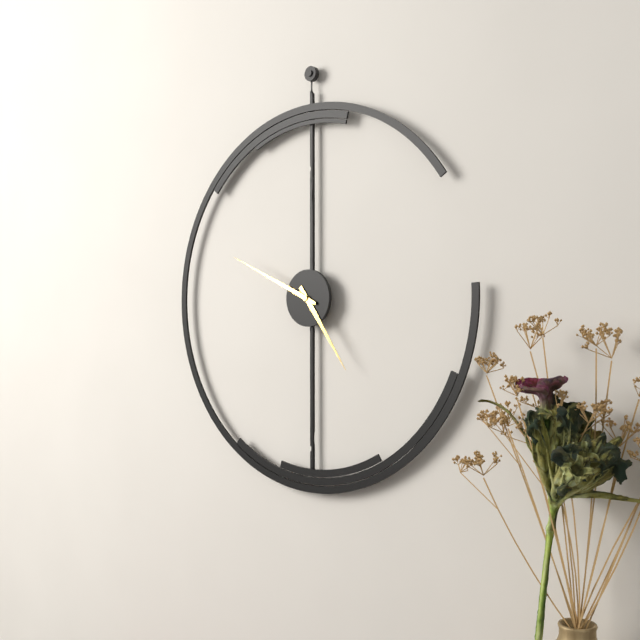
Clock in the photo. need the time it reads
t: 4:49
